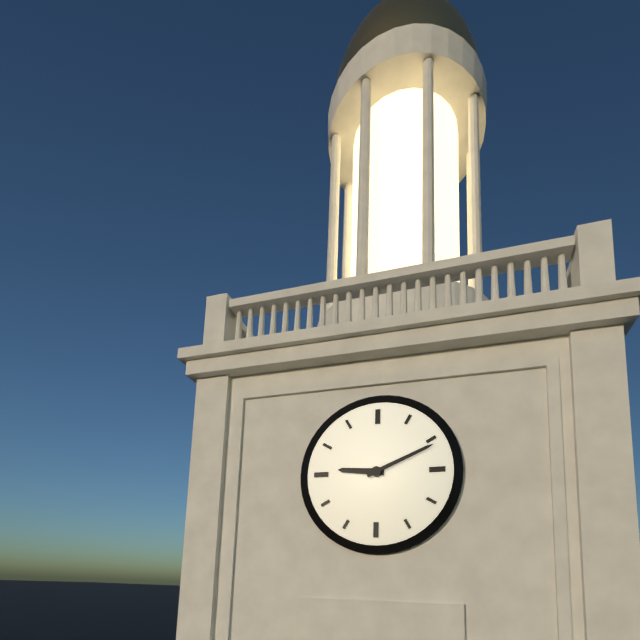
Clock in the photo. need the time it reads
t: 9:11
